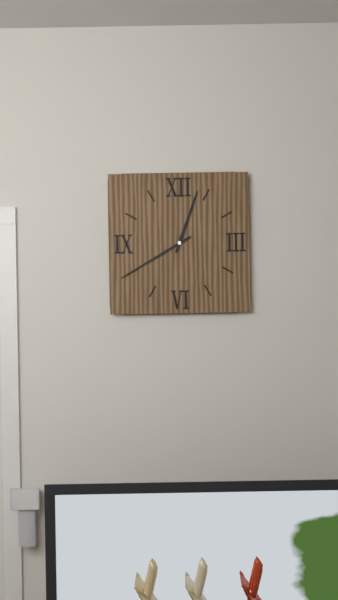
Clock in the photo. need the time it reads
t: 12:40
